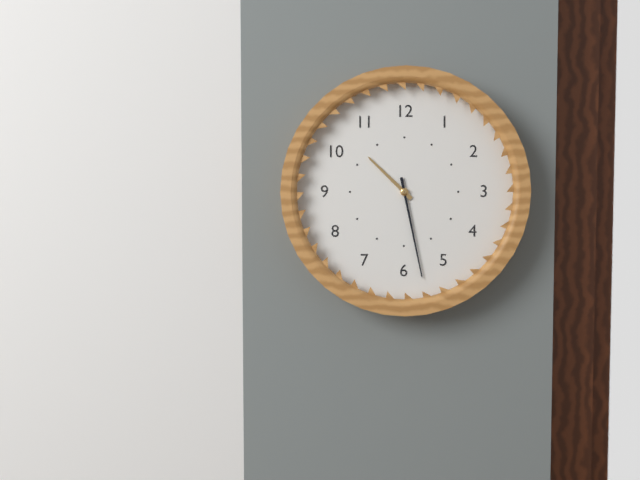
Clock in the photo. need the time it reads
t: 10:28
